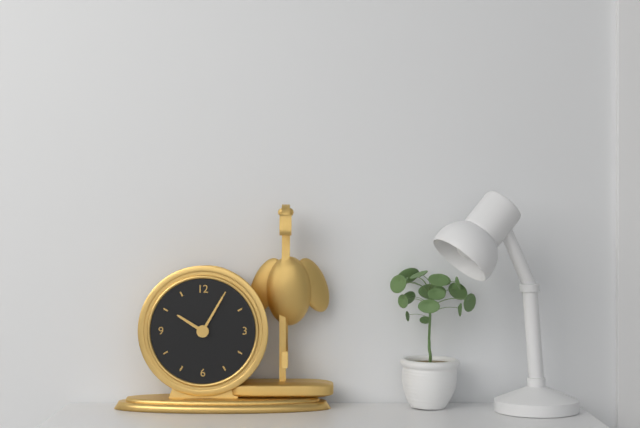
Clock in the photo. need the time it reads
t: 10:05
